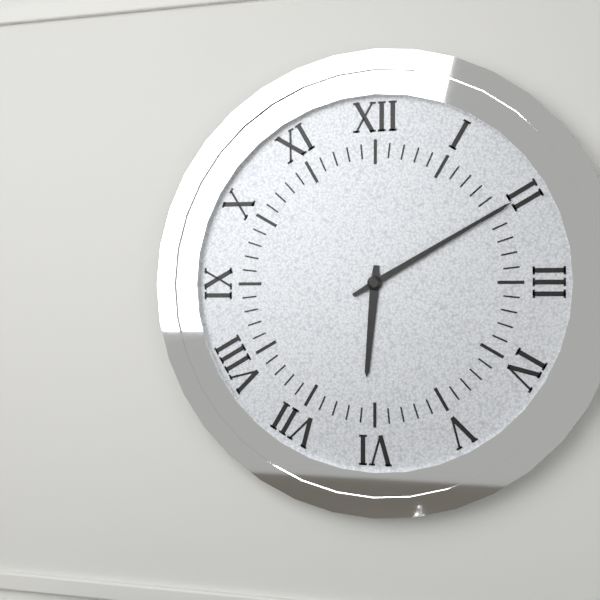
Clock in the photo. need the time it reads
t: 6:10
